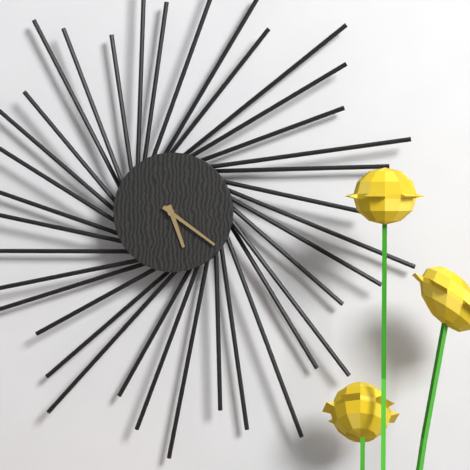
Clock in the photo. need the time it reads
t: 5:21
